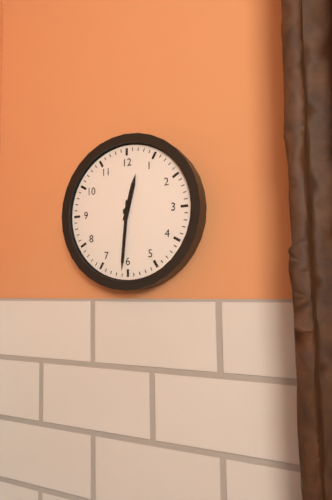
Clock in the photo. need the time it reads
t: 12:31
